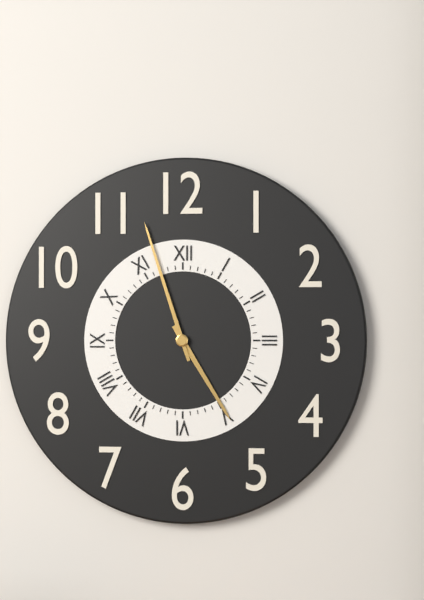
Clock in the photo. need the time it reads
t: 4:57
